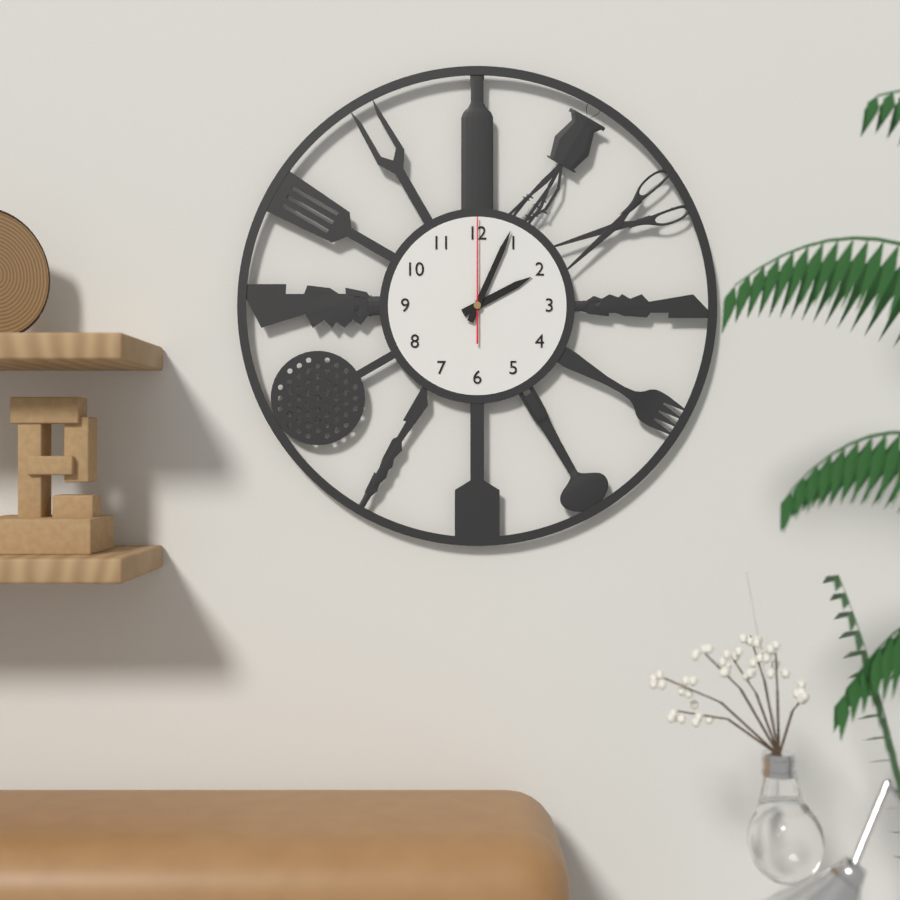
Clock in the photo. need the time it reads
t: 2:04:00
